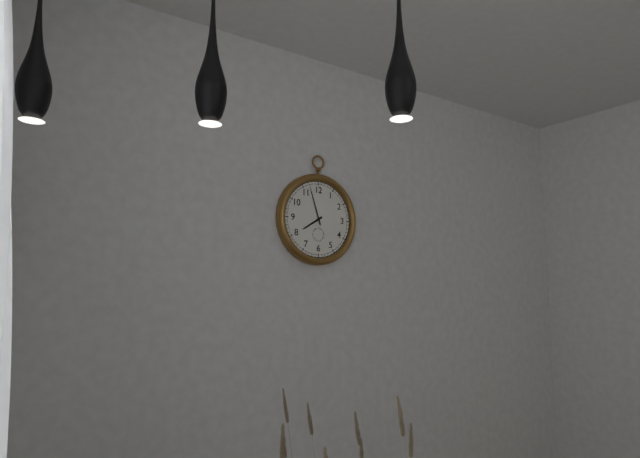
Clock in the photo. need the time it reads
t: 7:57
